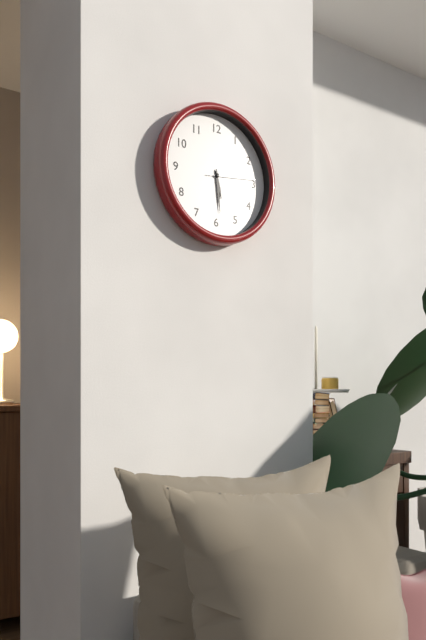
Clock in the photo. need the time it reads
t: 5:29
